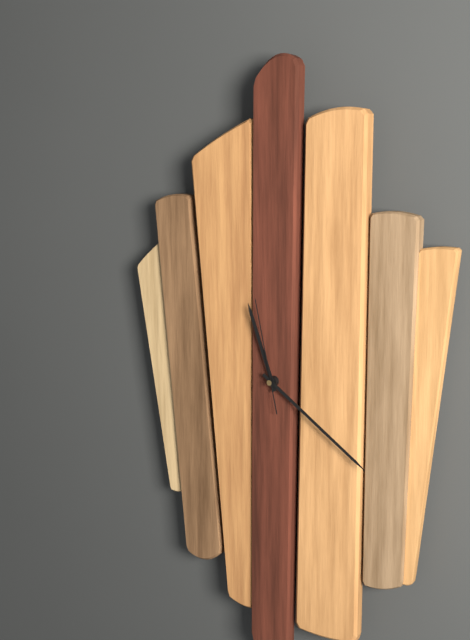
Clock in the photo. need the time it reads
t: 11:21:58
